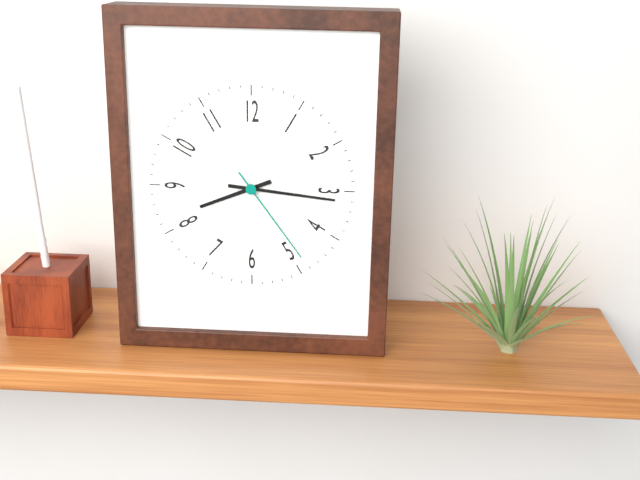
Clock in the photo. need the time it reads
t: 8:16:24
